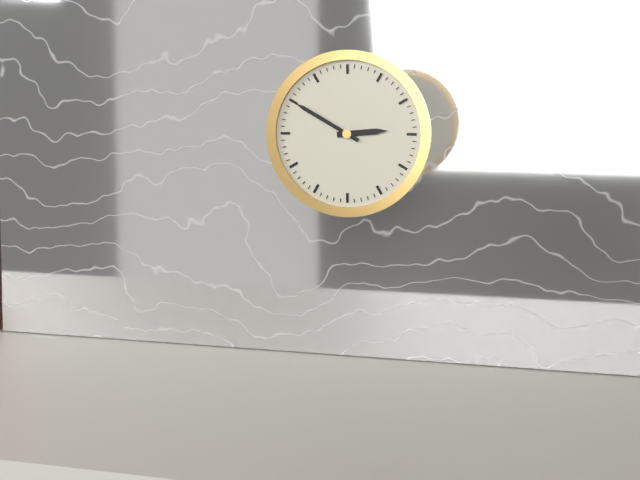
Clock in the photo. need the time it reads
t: 2:50
